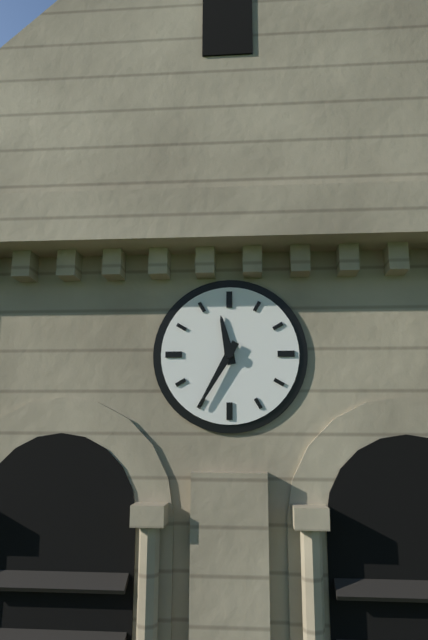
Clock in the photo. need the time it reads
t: 11:35
